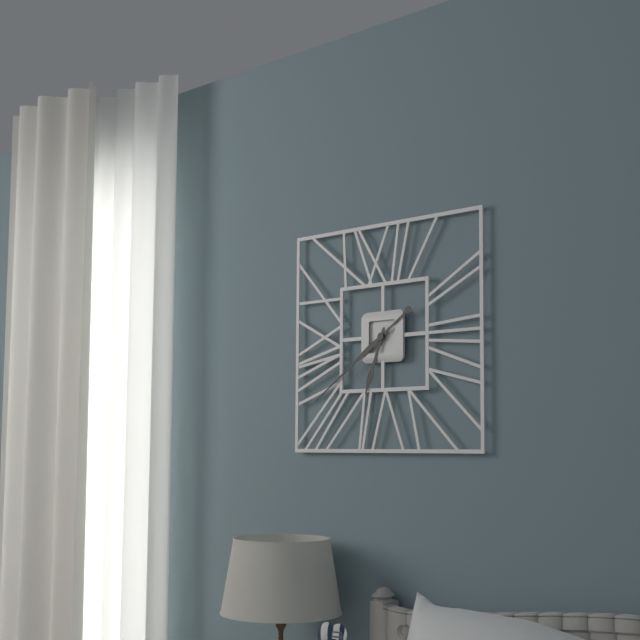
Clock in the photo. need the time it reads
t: 6:39
